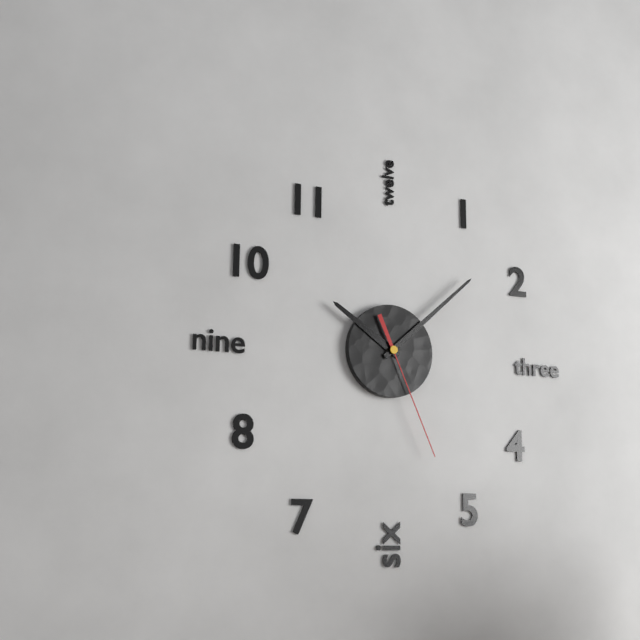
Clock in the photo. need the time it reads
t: 10:08:26
